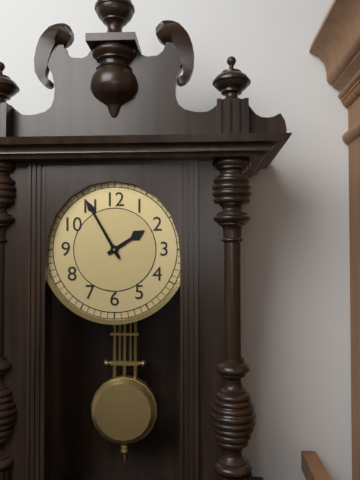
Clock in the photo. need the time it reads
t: 1:55
